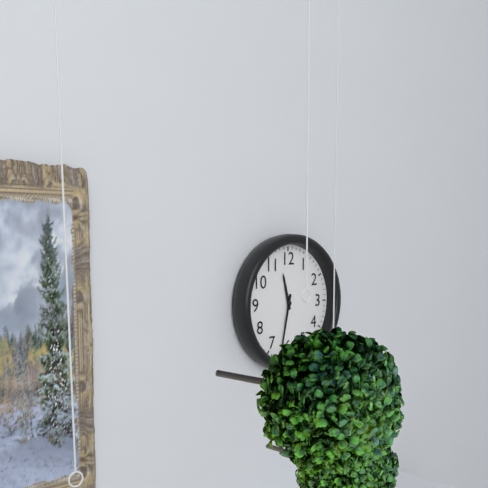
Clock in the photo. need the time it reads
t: 11:32
